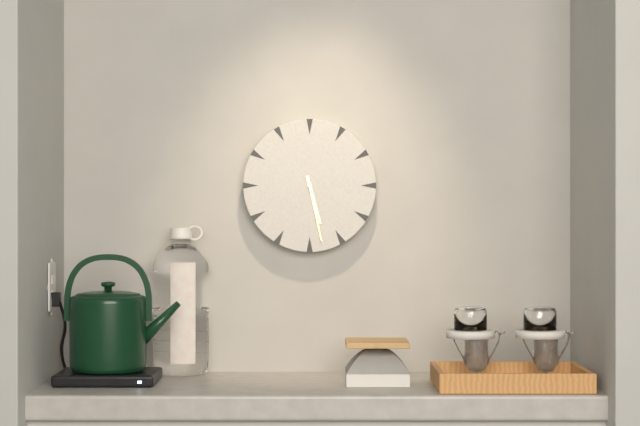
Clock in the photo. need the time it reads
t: 5:28
